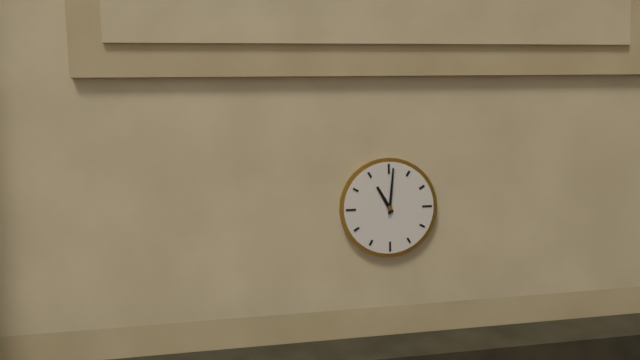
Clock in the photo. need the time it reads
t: 11:01
